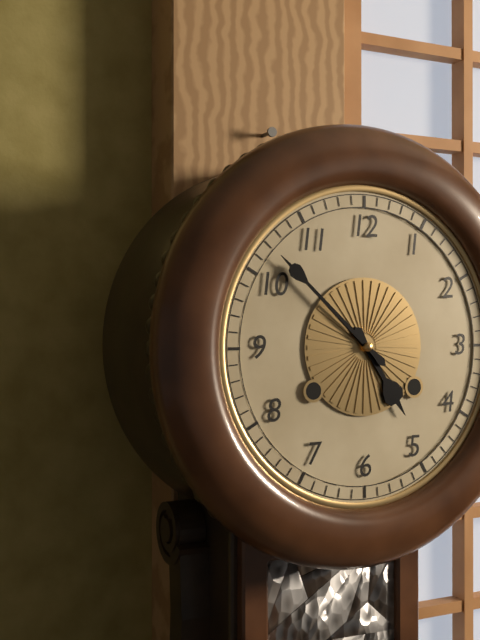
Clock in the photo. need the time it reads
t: 4:52
